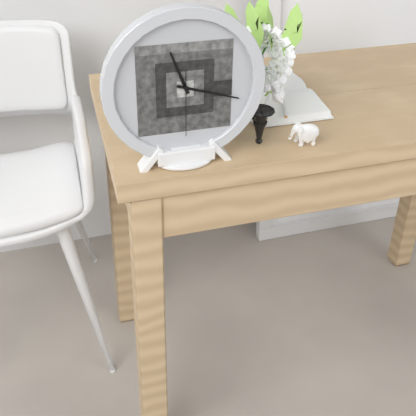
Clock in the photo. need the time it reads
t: 11:18:30
